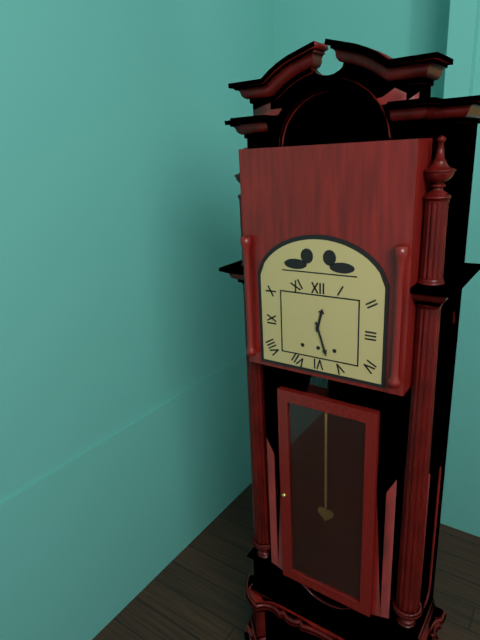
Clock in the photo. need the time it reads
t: 12:27
